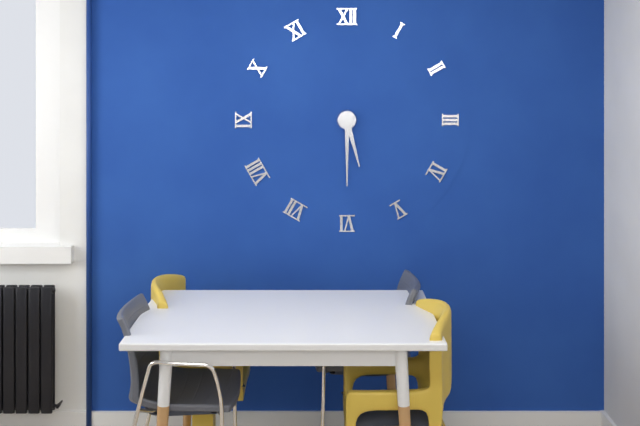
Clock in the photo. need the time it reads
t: 5:30
